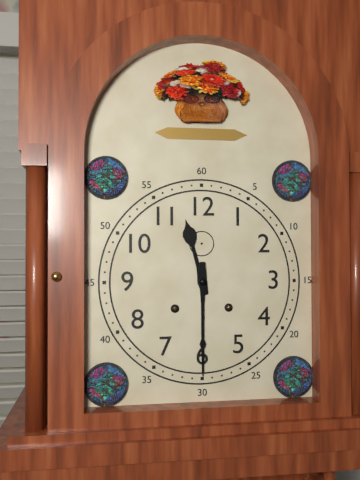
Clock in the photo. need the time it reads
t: 11:30
